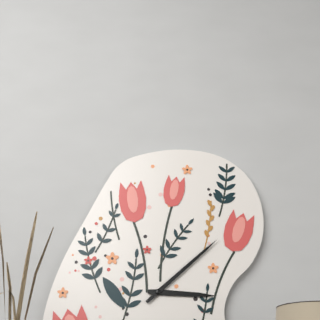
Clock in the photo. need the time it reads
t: 3:08
